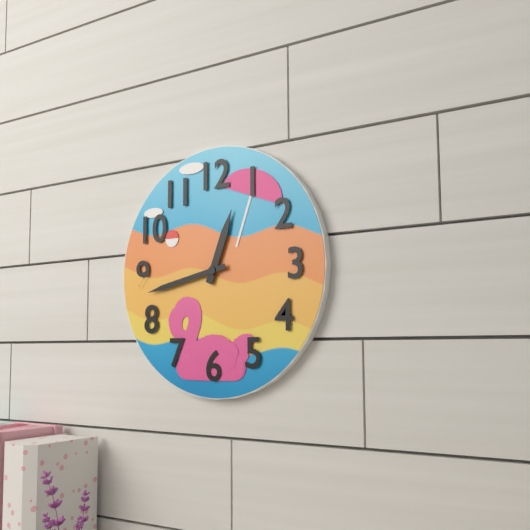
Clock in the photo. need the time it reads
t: 12:43
